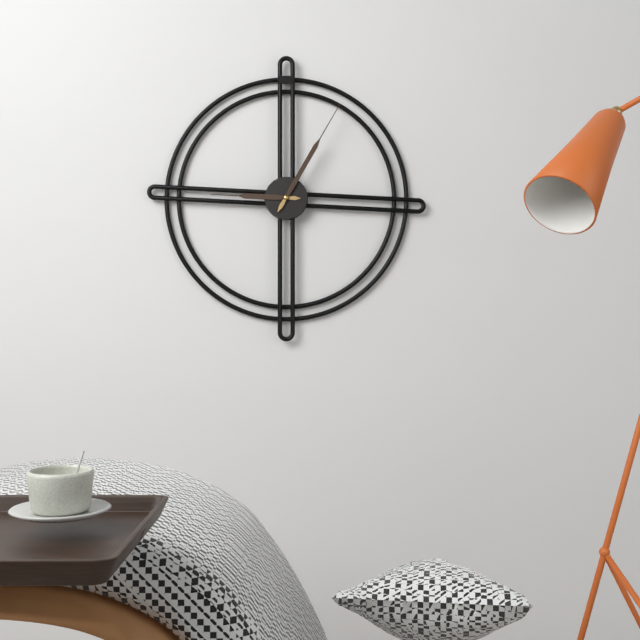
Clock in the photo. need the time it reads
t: 9:05
